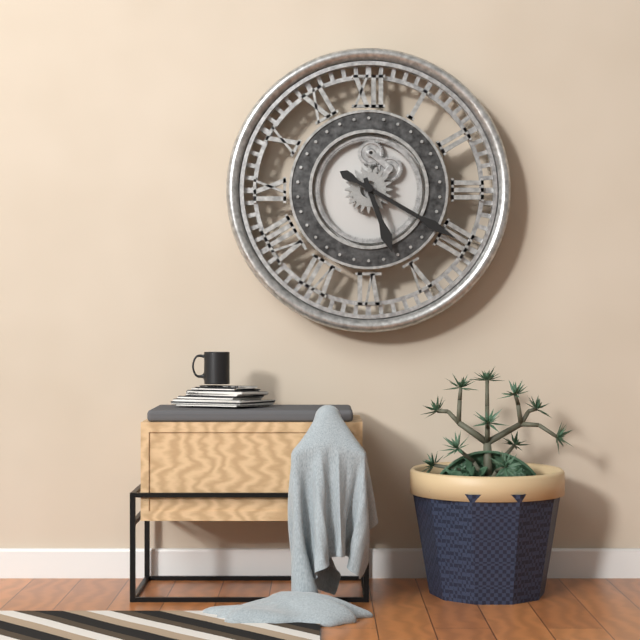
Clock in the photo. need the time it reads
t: 5:20
